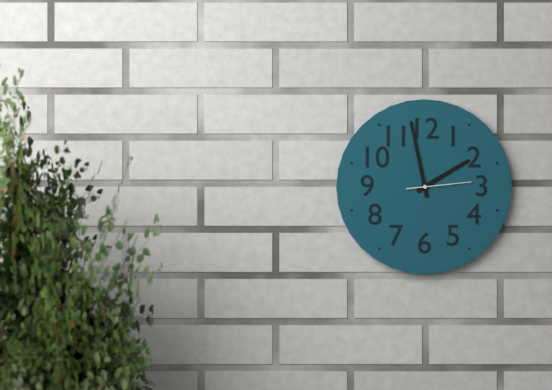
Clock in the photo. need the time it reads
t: 1:58:14
